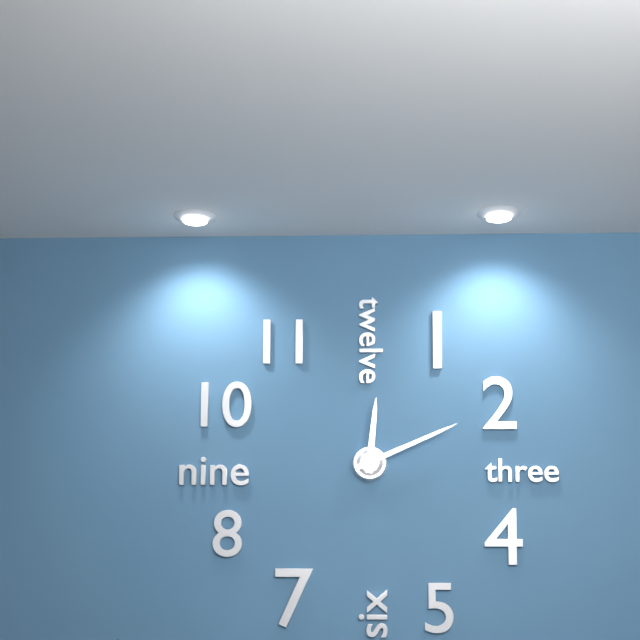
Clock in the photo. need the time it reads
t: 12:11
